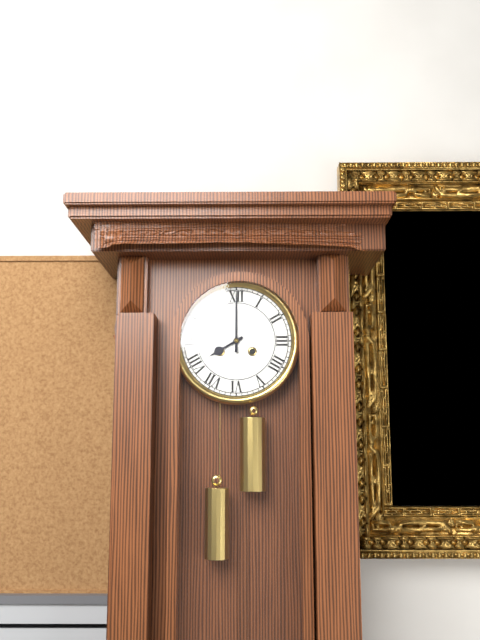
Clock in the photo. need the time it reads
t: 8:00
